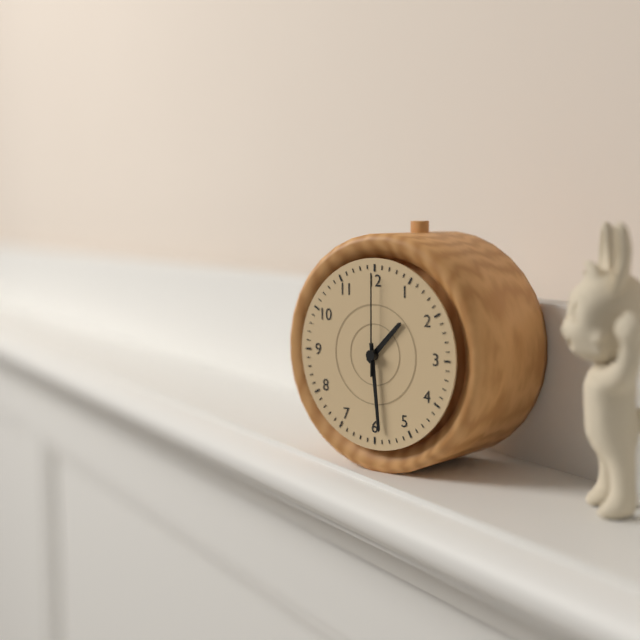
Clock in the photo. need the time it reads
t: 1:29:00
